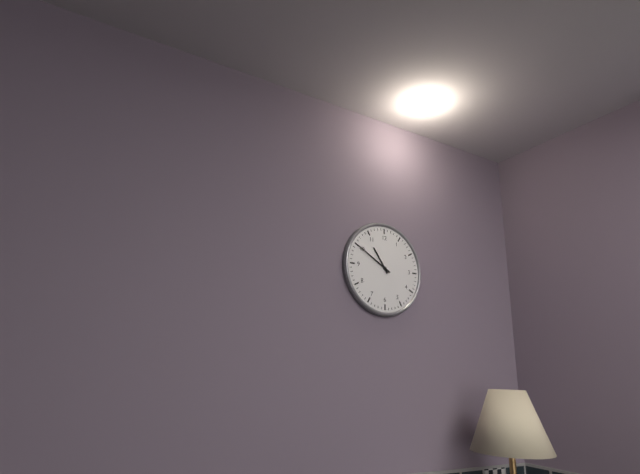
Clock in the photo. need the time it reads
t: 10:50
